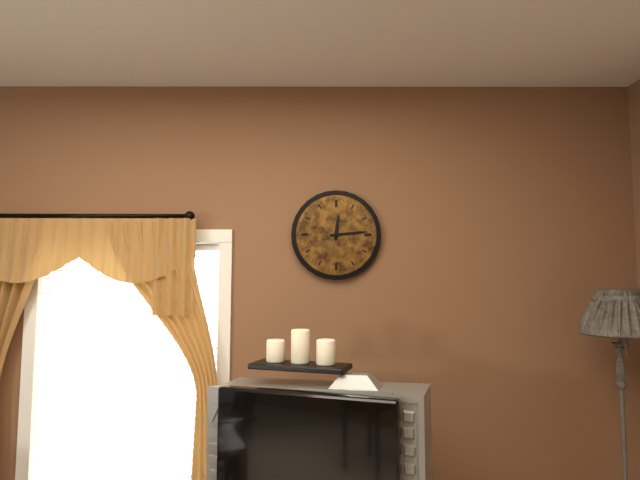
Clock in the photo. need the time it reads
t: 12:14
